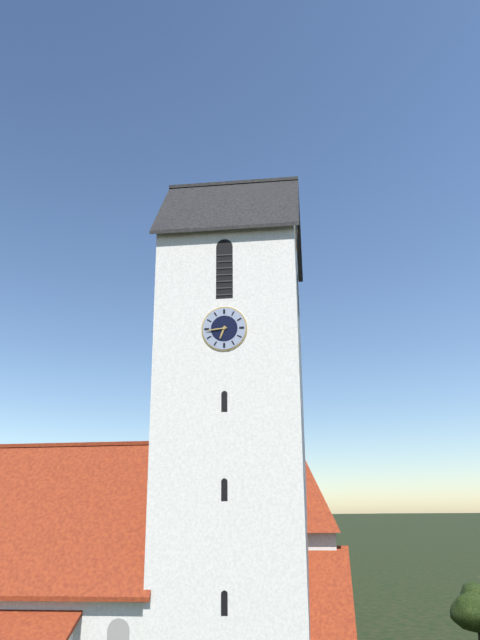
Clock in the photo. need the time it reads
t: 6:44
